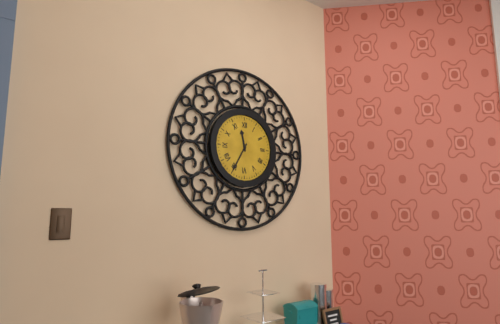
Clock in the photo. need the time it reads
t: 11:35
